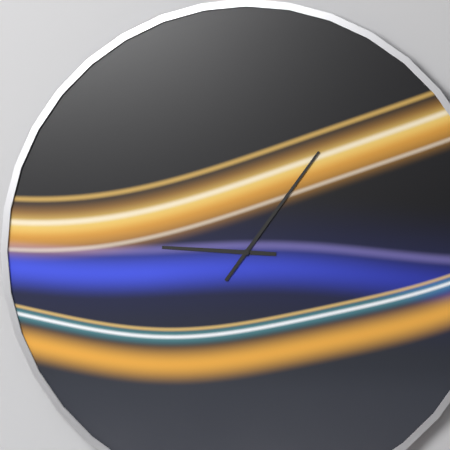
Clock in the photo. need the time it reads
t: 9:06
